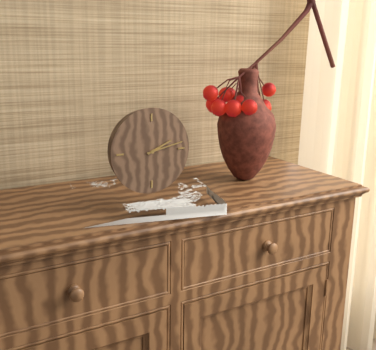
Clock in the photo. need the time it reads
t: 2:13
